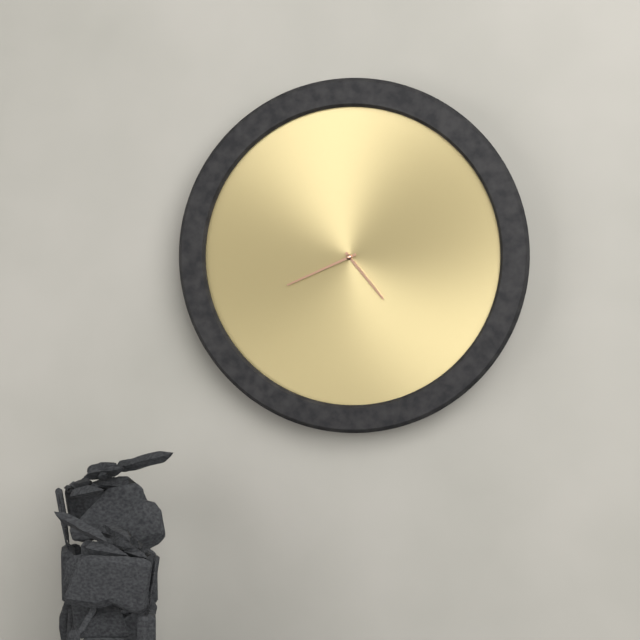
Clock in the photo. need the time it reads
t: 4:41
